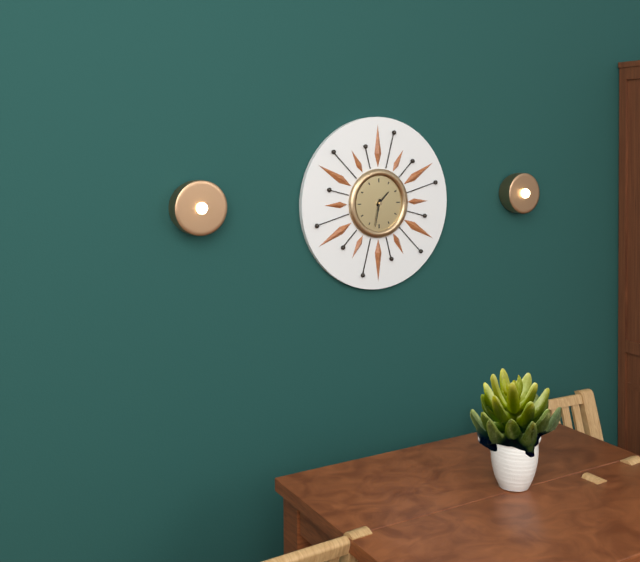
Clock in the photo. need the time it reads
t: 1:32
